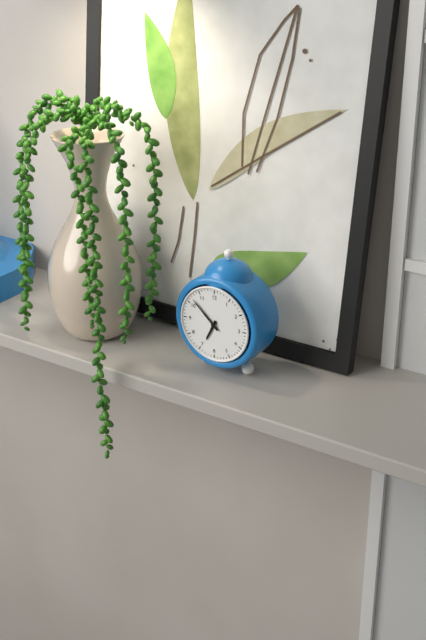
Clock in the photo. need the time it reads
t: 6:52
